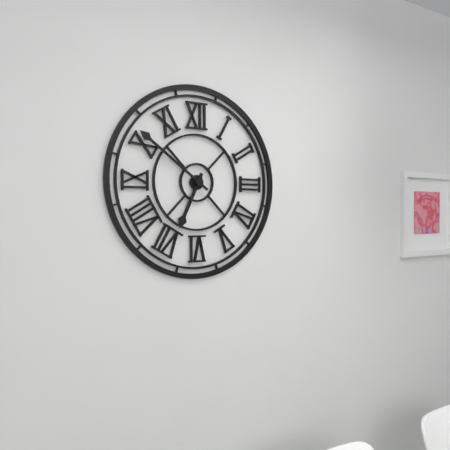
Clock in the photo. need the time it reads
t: 6:51
